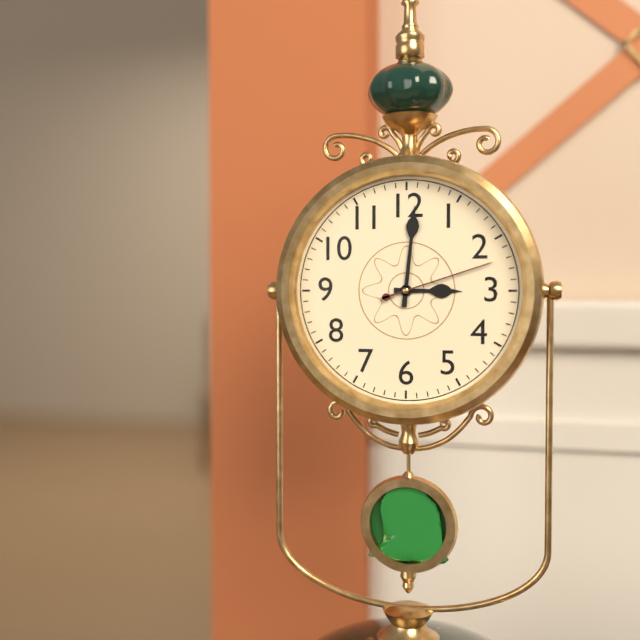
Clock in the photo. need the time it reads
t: 3:01:12
